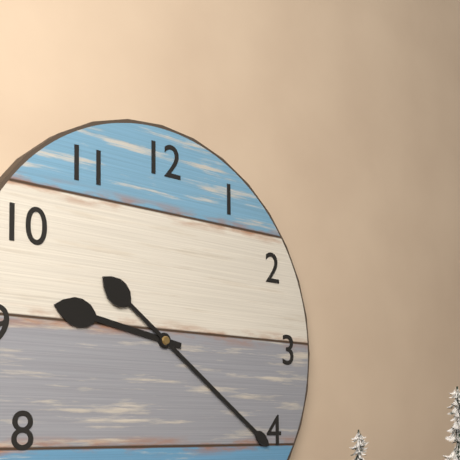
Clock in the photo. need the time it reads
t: 9:21
